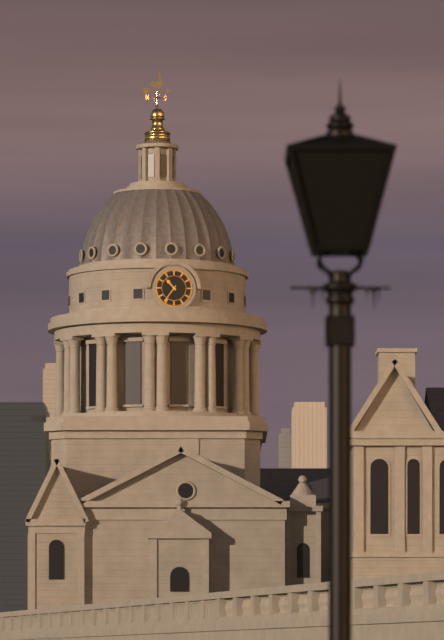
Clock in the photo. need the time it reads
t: 10:36
